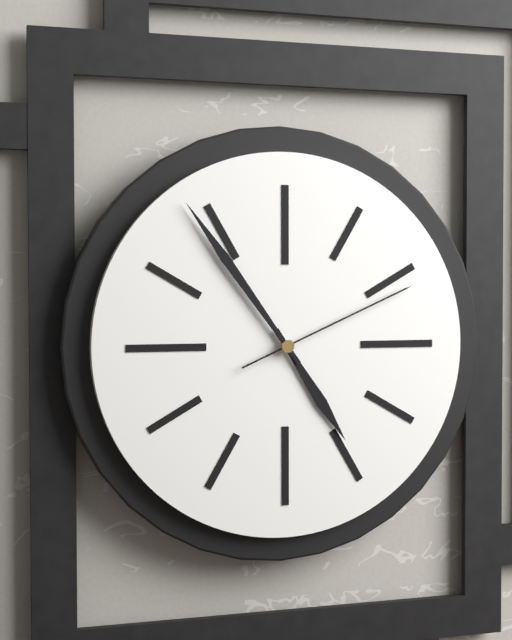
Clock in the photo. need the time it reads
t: 4:54:11
